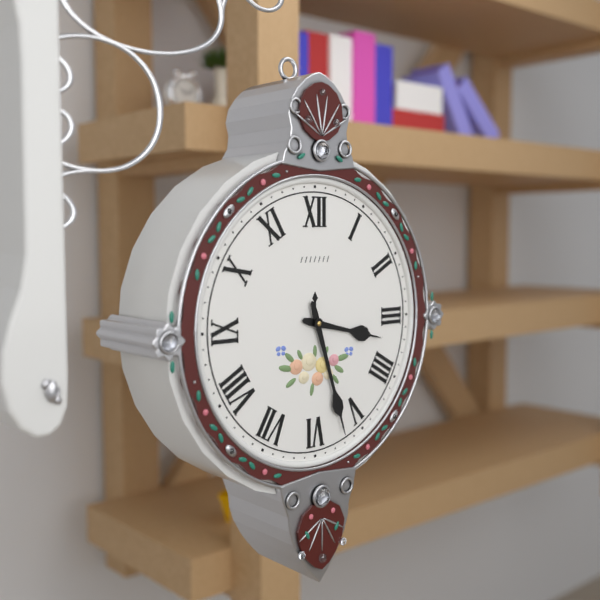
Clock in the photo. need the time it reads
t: 3:27
